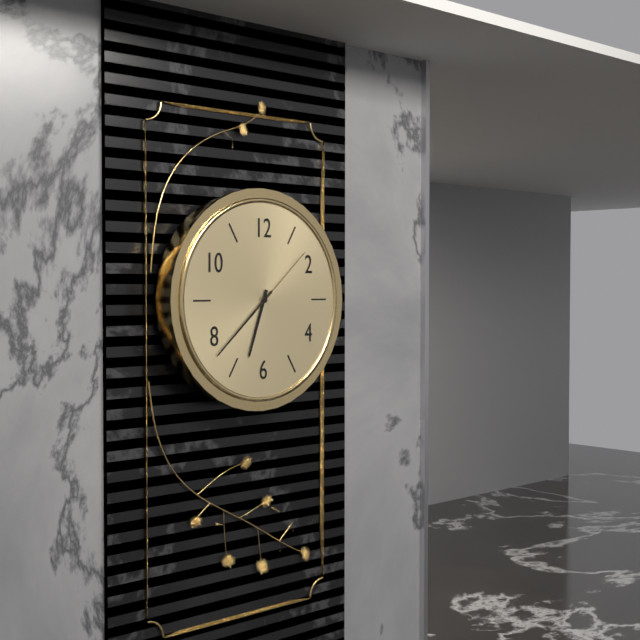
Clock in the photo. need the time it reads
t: 6:38:08
